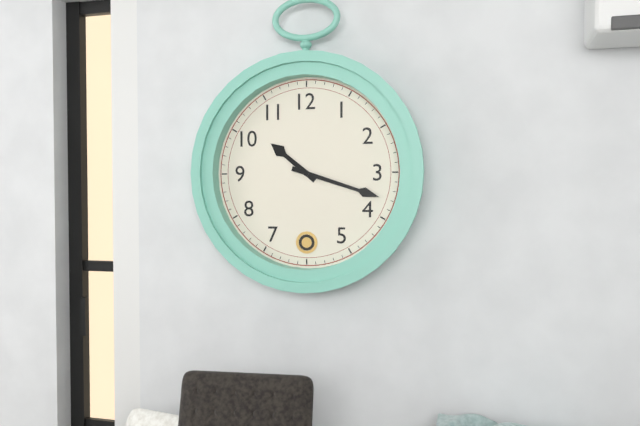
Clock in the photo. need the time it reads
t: 10:18
